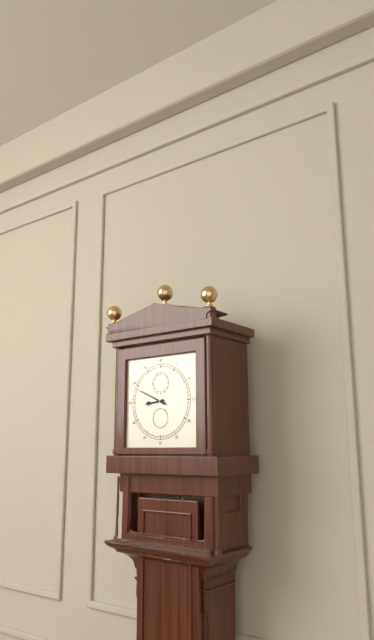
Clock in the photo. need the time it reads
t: 8:49
